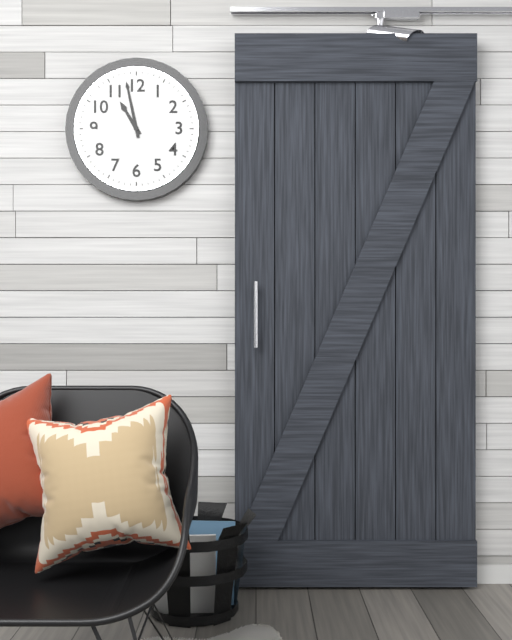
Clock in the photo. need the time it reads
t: 10:58
